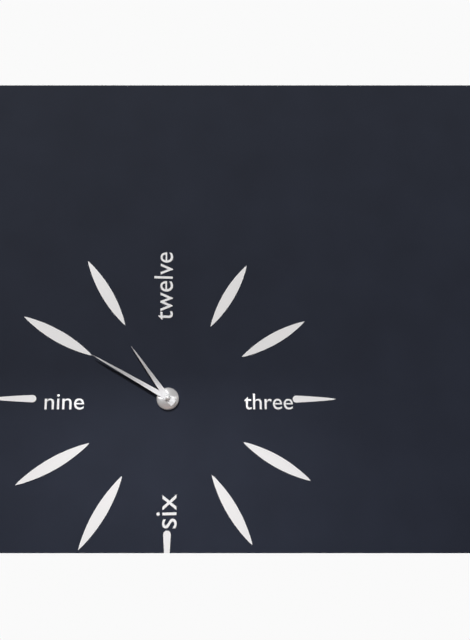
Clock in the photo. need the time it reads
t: 10:50
